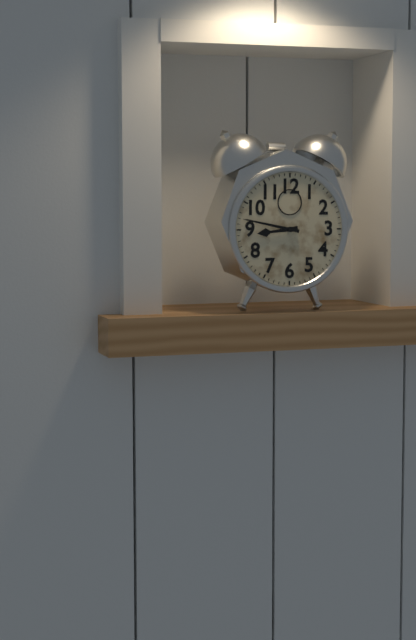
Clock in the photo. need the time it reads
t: 8:47
